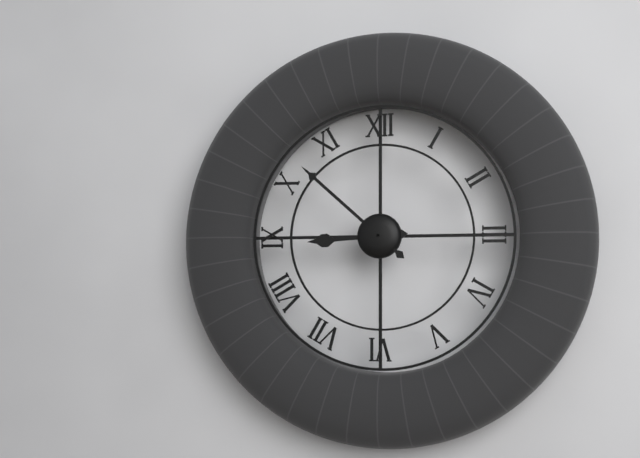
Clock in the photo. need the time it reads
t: 8:52
